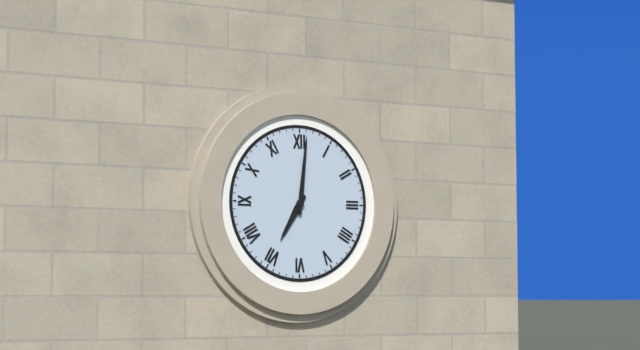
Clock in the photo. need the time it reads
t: 7:01
